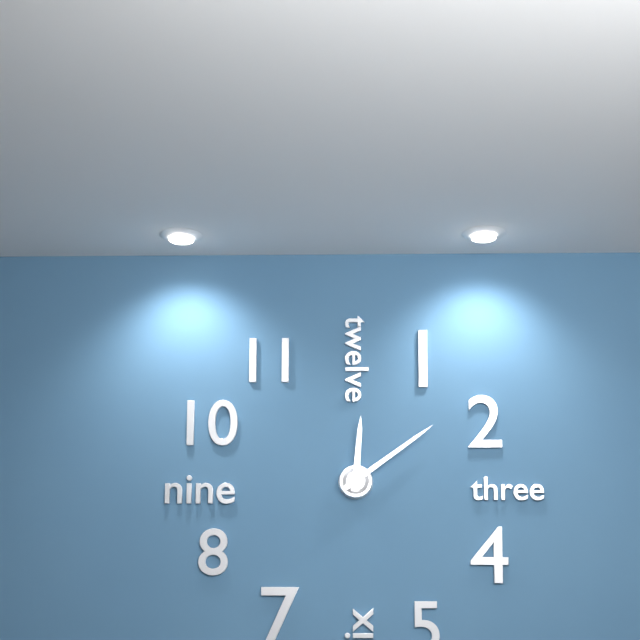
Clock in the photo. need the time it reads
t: 12:09
